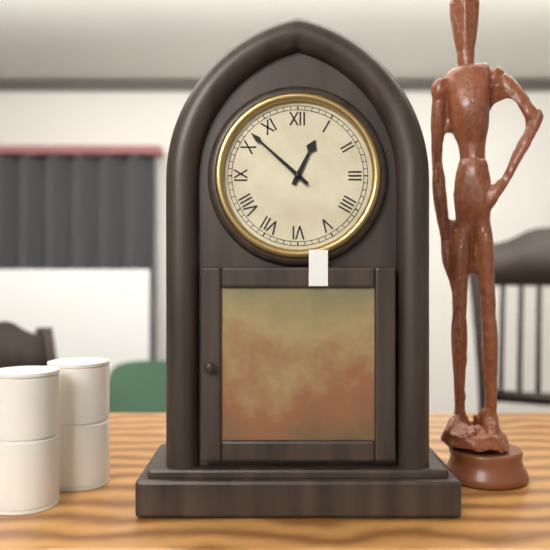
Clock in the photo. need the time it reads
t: 12:52
